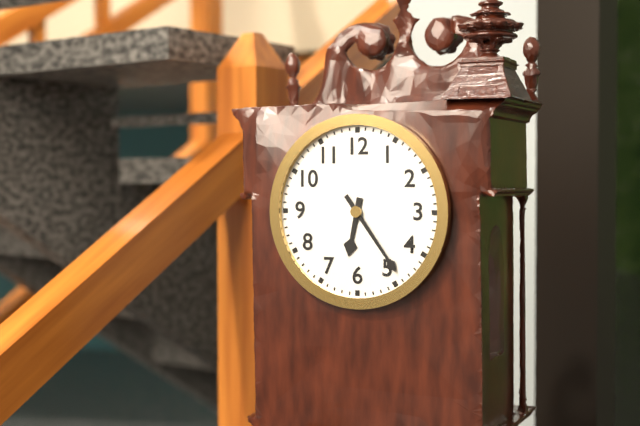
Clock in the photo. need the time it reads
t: 6:24
